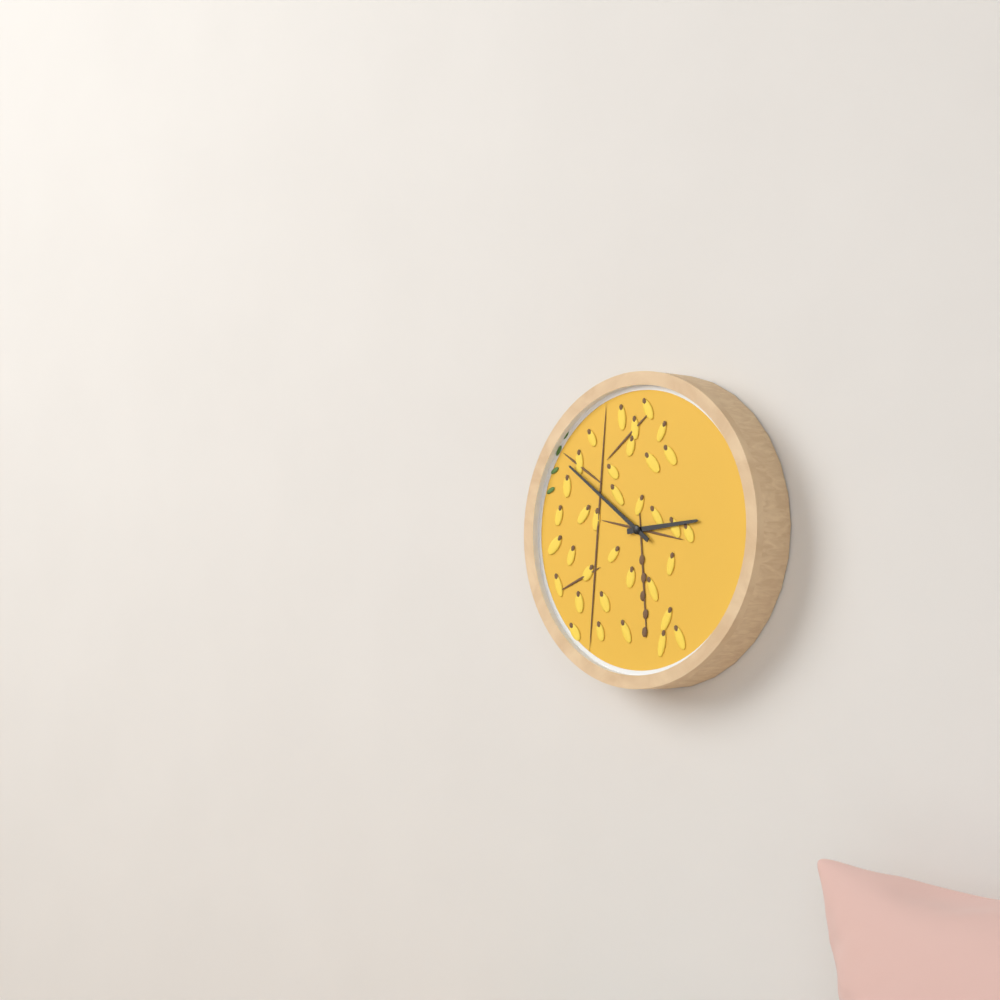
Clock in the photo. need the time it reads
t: 2:51
